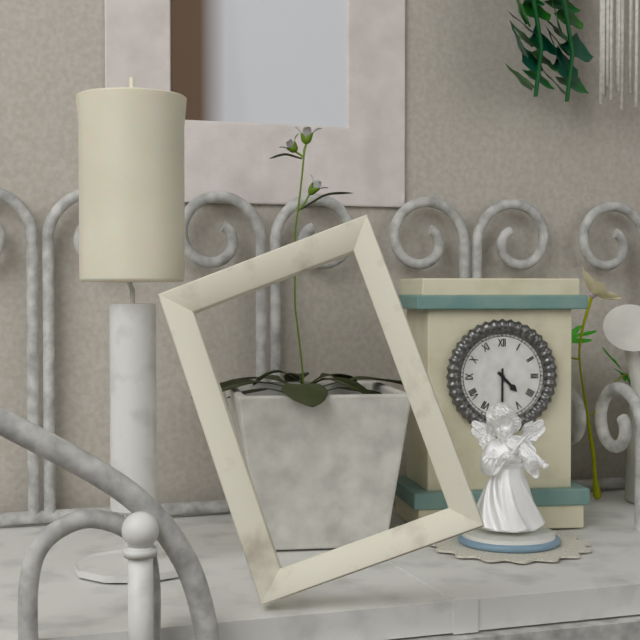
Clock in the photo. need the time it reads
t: 4:30
